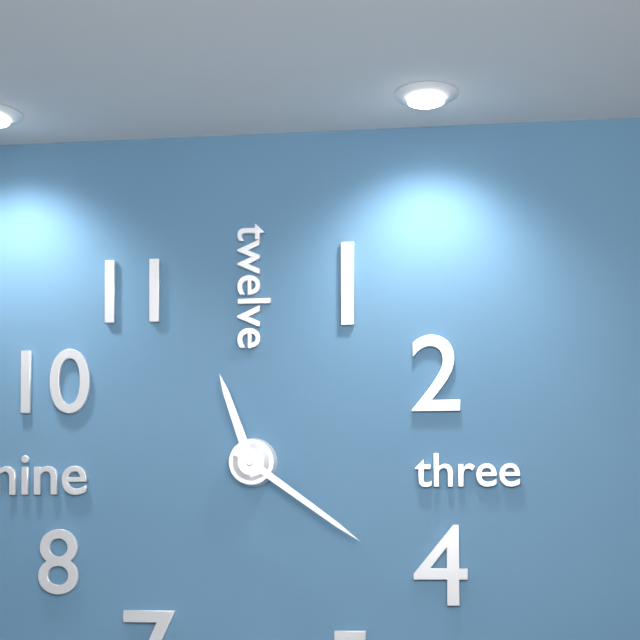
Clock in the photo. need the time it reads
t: 11:21
